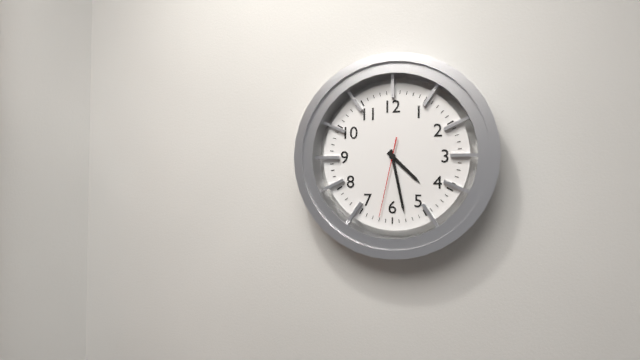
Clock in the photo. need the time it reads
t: 4:28:32
